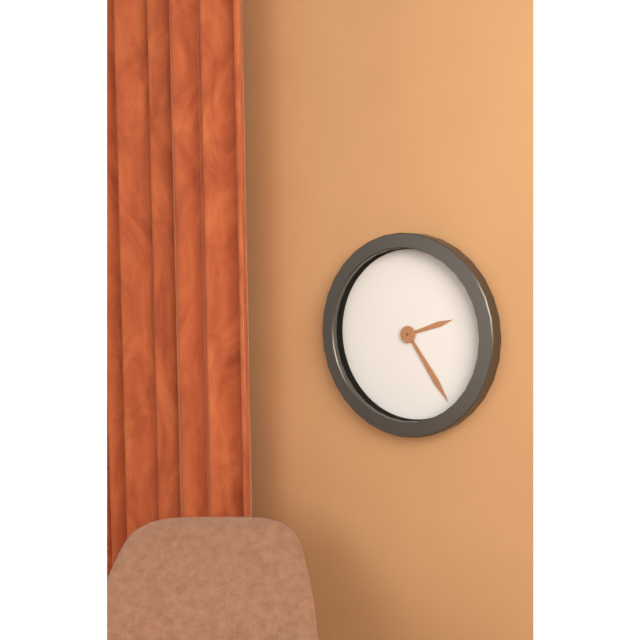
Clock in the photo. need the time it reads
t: 2:24
